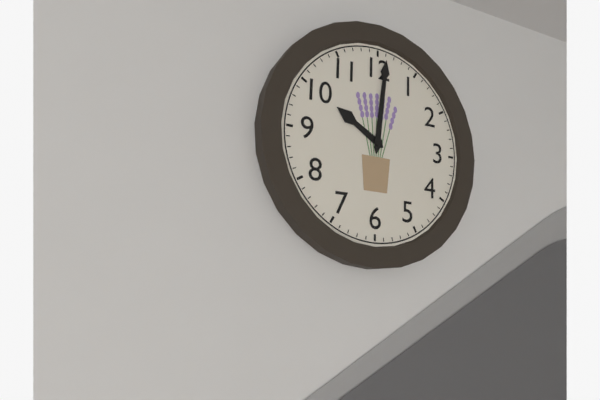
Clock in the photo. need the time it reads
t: 10:01
